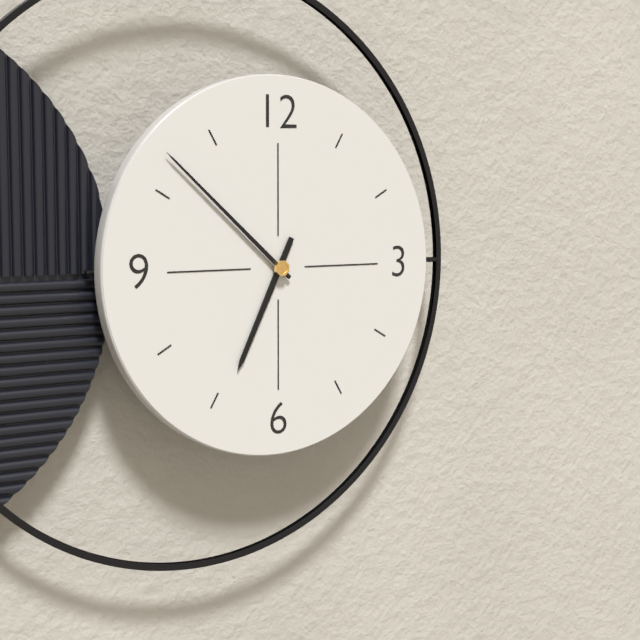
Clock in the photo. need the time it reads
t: 6:52
